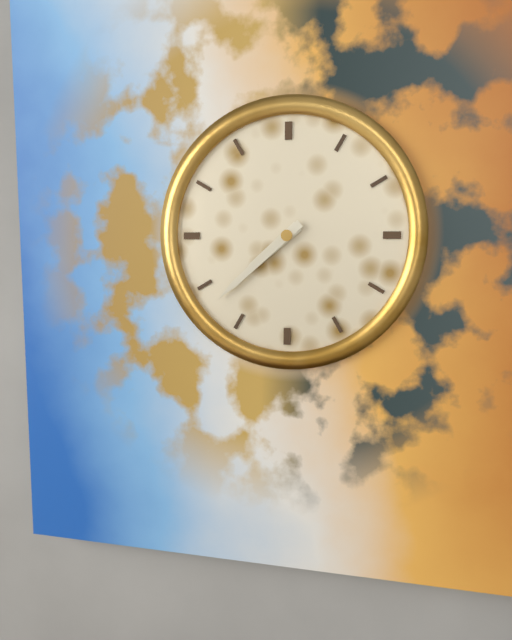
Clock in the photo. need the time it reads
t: 7:38
